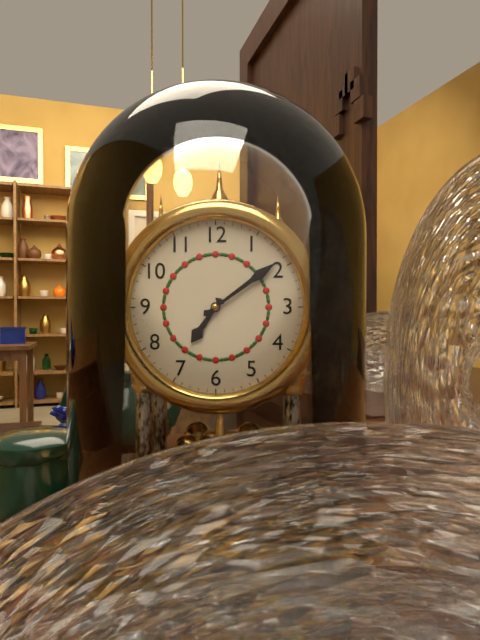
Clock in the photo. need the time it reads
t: 7:09
